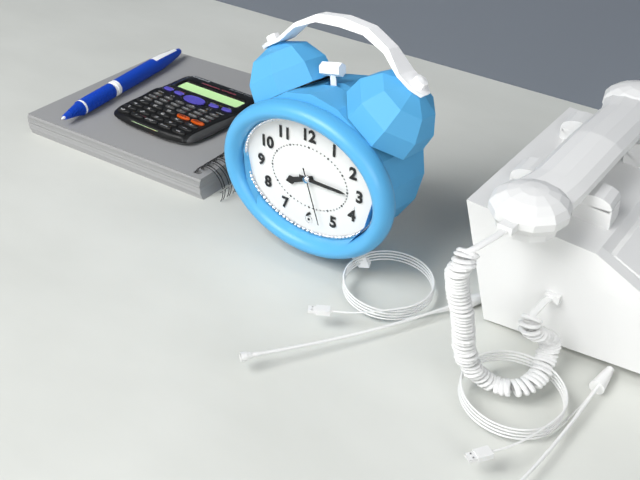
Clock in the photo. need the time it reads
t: 8:15:27
